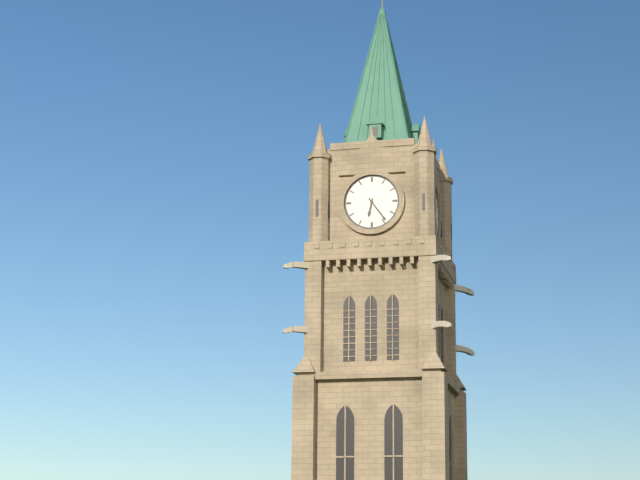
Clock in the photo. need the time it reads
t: 6:24
